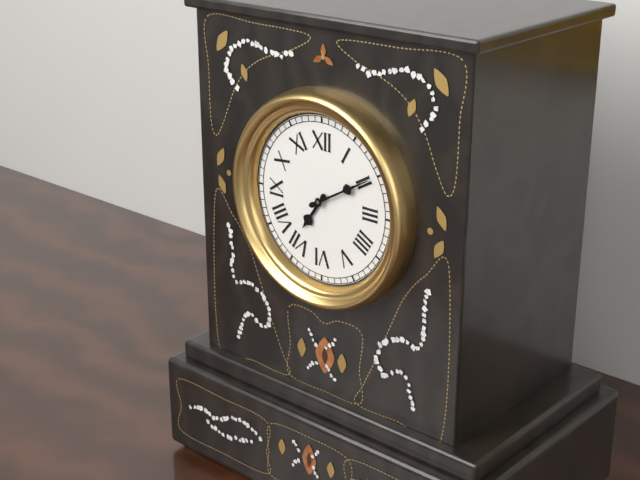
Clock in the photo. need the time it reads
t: 7:10
